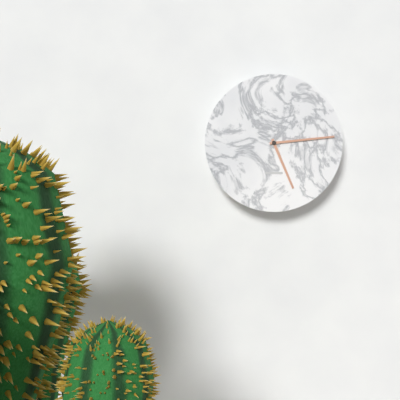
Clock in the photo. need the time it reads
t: 5:14
